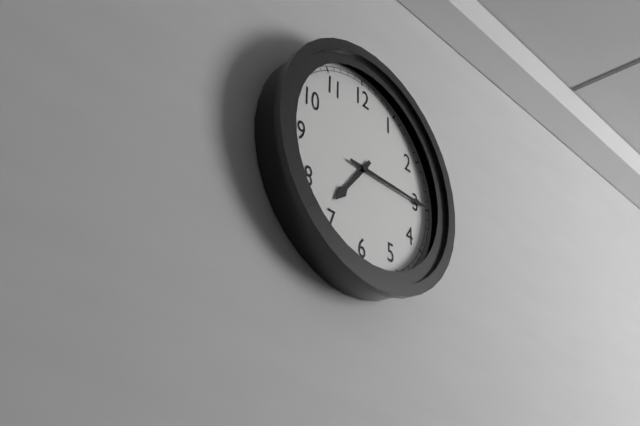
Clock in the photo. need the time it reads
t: 7:15
